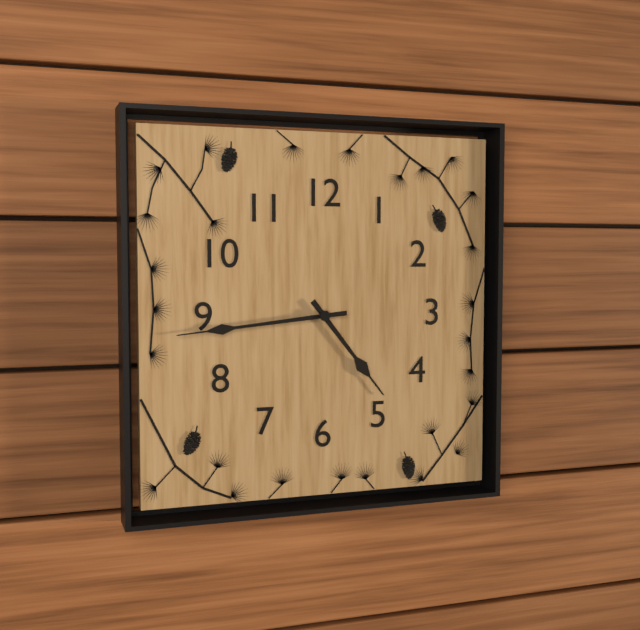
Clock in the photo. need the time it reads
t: 4:44
